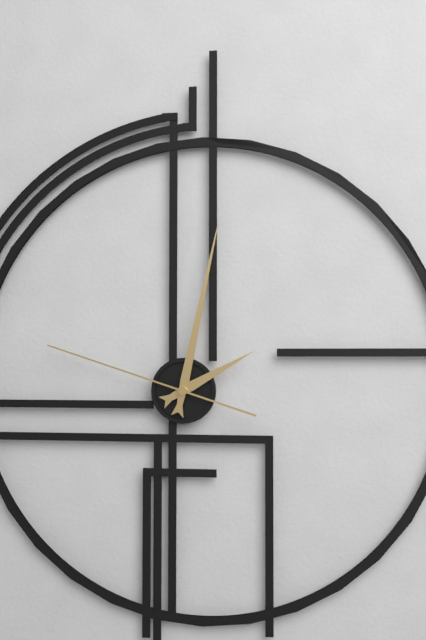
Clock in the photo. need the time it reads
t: 2:02:48
